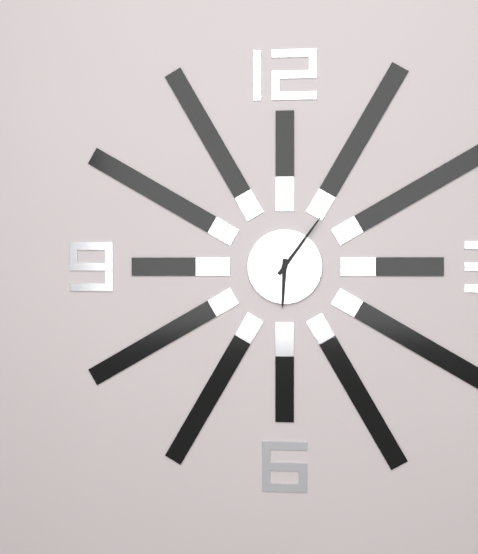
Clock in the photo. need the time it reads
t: 6:06
